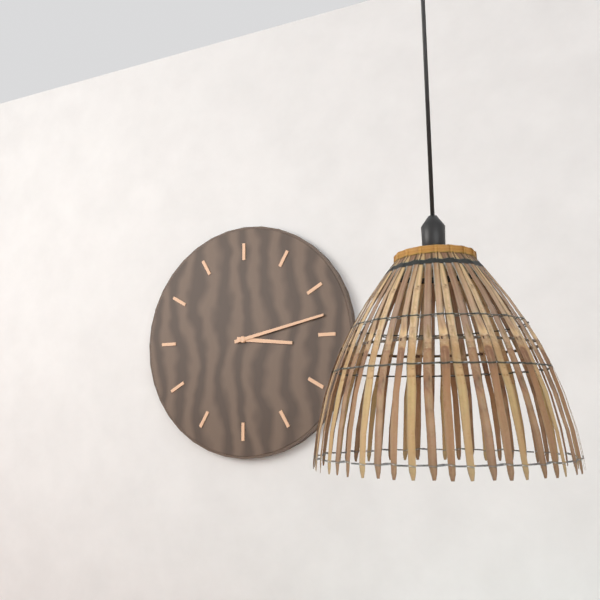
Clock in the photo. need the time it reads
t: 3:13
